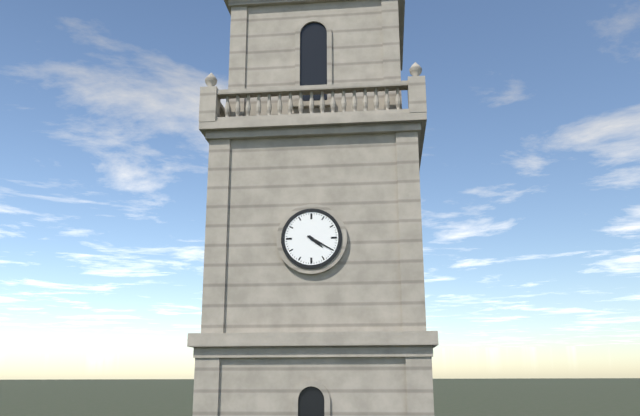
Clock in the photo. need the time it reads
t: 4:20
